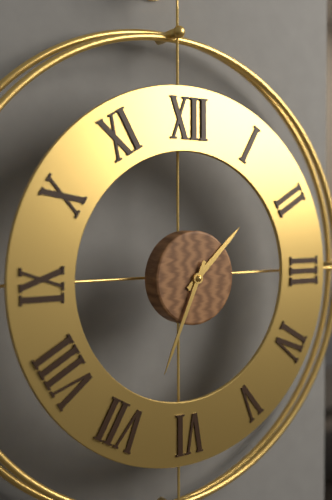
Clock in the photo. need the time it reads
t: 1:34
